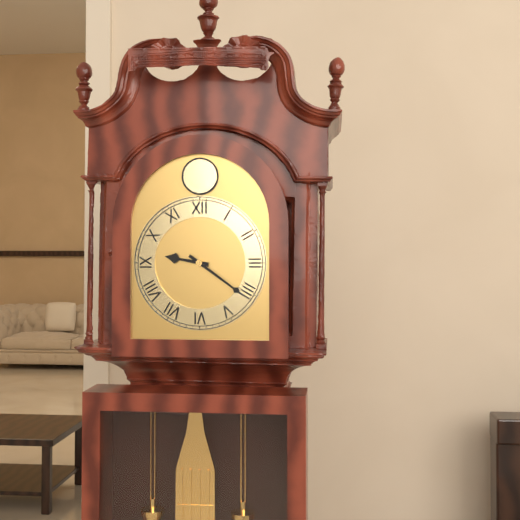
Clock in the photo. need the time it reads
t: 9:21
